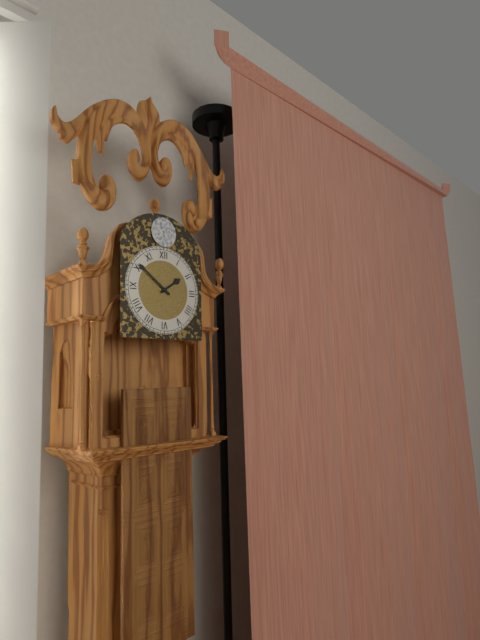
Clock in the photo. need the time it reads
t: 1:51
